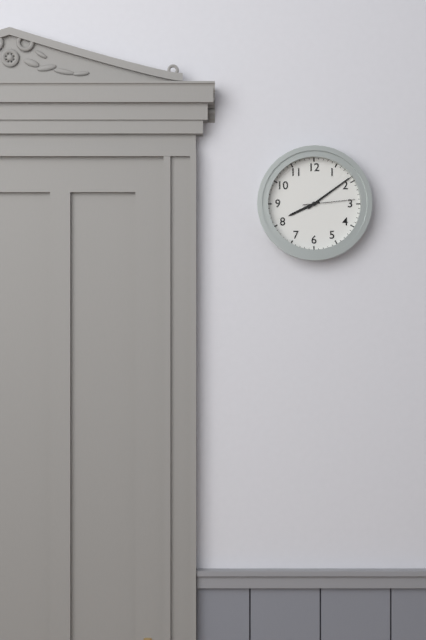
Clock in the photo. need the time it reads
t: 8:09:14
